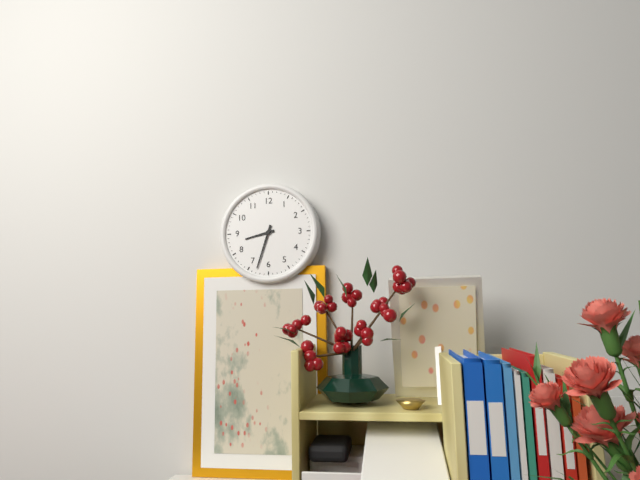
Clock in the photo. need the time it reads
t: 8:33
